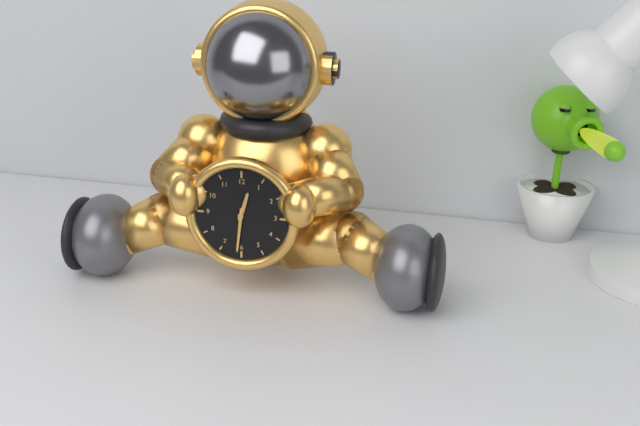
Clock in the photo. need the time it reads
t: 12:31
